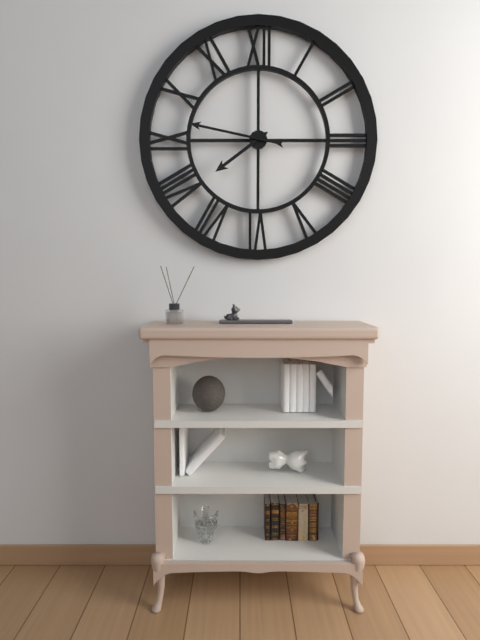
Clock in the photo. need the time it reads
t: 7:47
